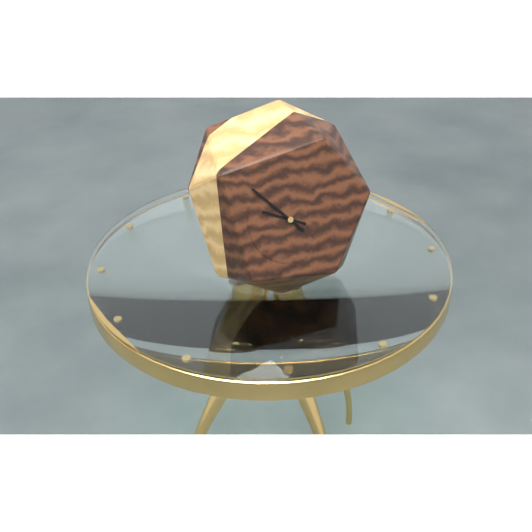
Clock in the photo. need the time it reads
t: 9:53
